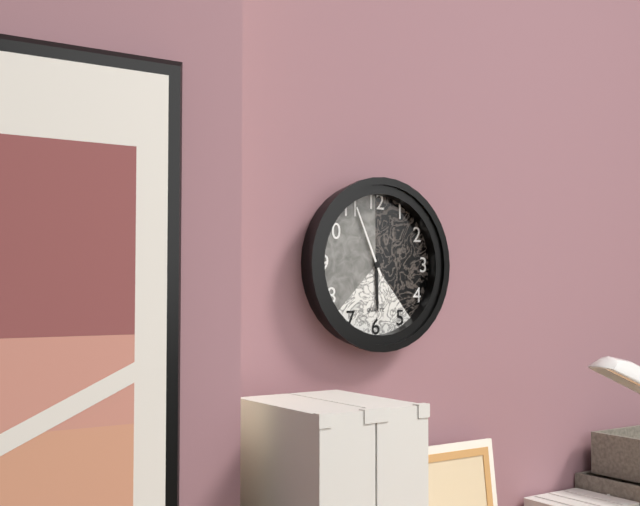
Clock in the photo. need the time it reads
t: 5:56
